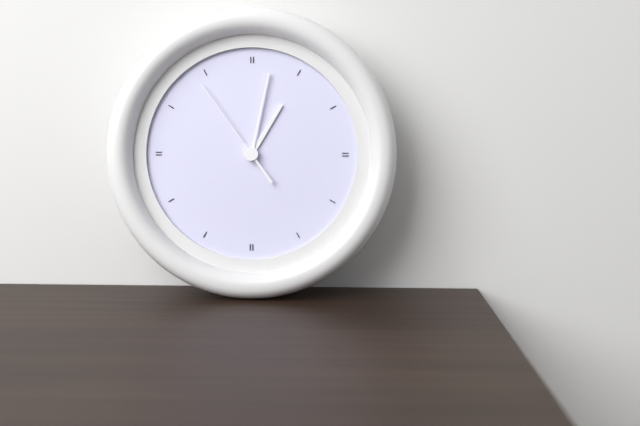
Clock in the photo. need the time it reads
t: 1:02:54
